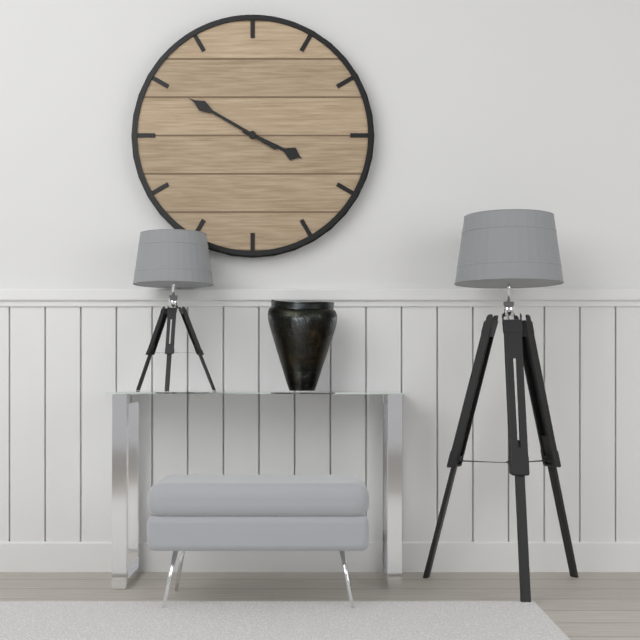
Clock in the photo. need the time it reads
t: 3:50
